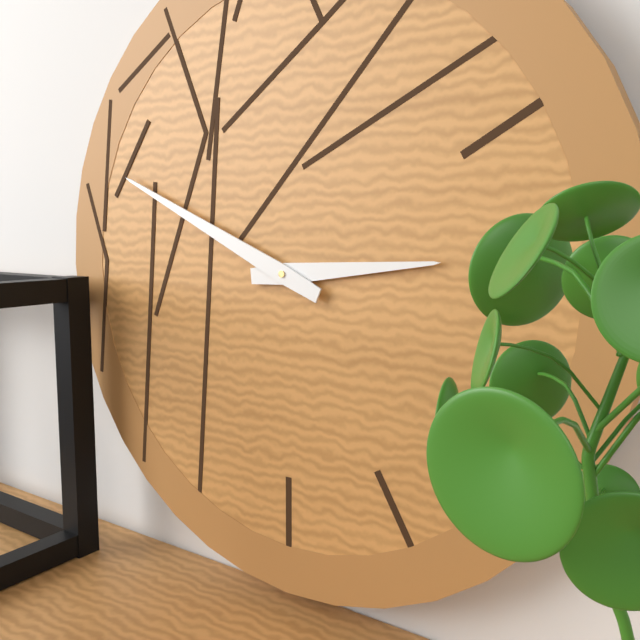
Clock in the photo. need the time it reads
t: 2:49
